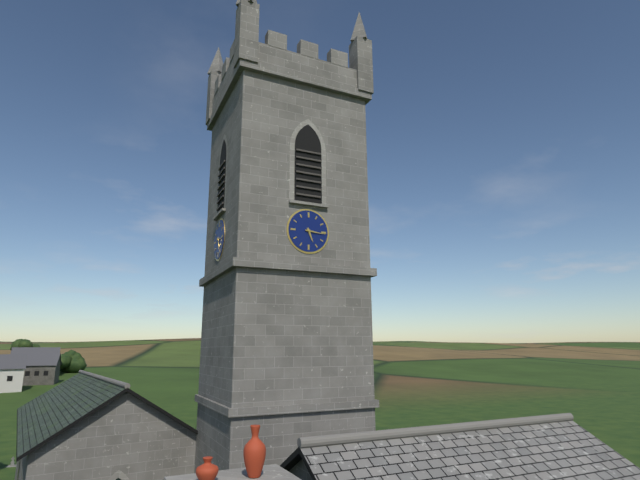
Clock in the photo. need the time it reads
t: 5:16
